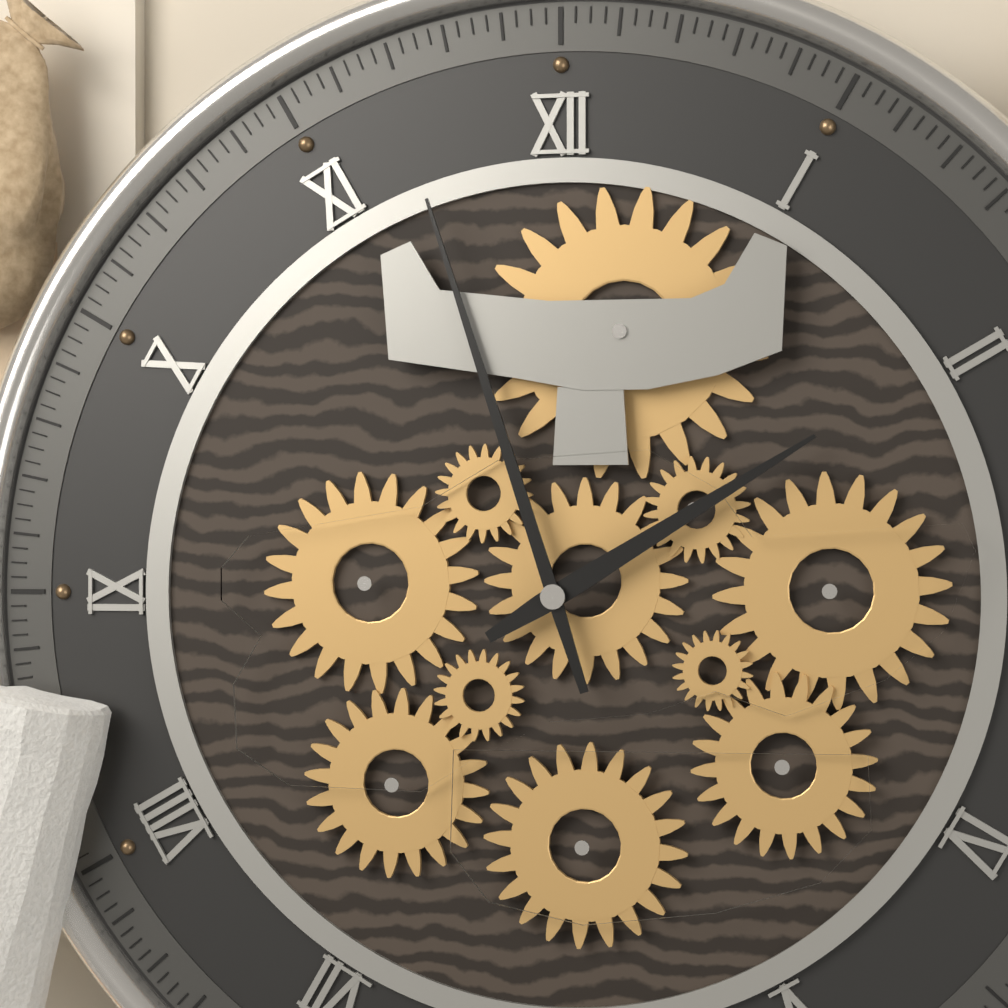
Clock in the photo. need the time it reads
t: 1:57
